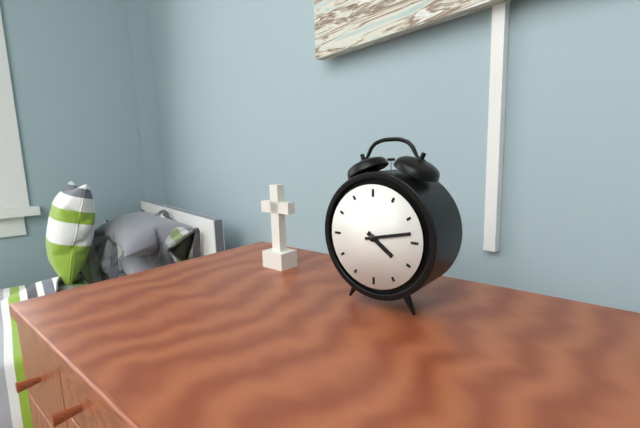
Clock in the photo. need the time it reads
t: 4:13
